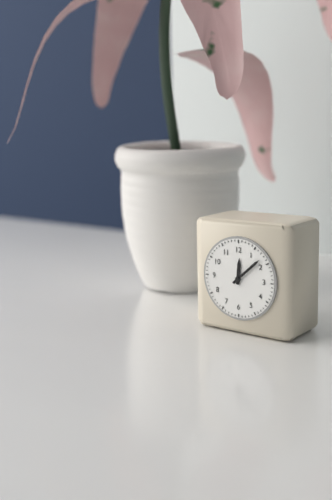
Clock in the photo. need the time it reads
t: 12:08
